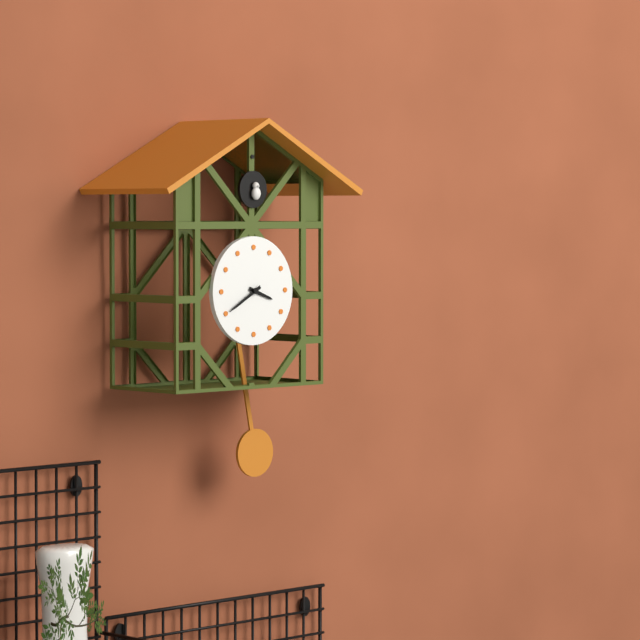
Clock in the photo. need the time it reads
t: 3:40
